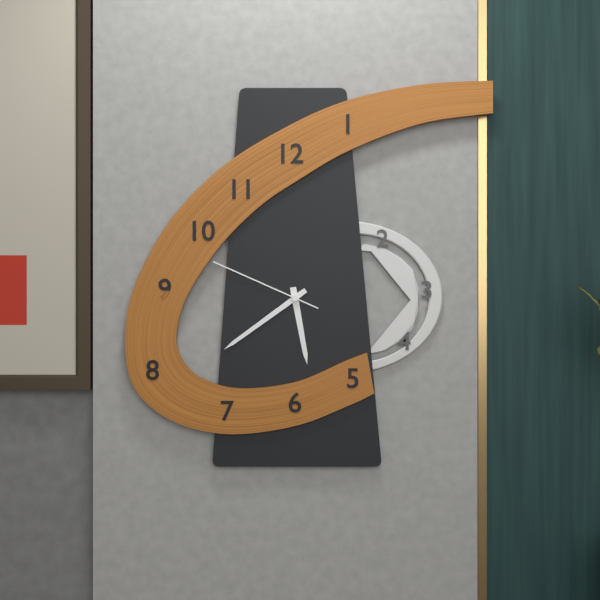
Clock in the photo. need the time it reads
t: 5:39:49
